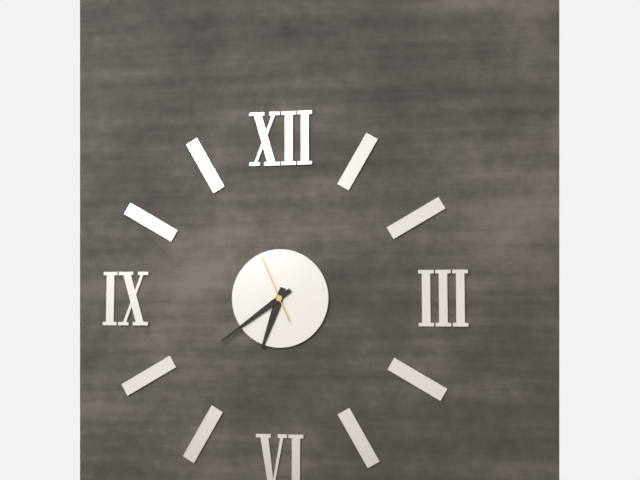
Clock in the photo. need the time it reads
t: 6:39:56
